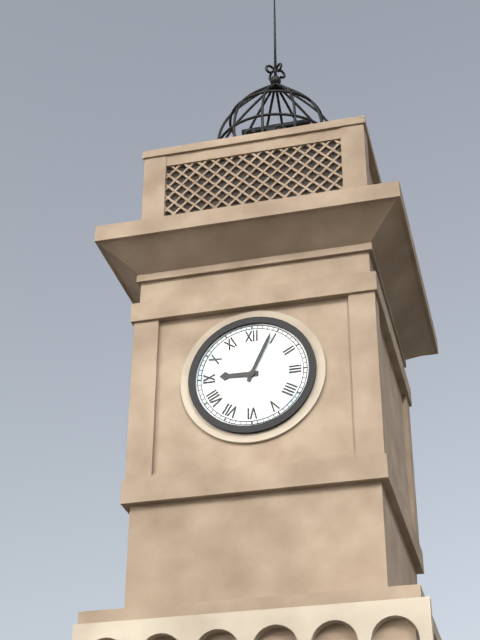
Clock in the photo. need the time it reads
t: 9:04
